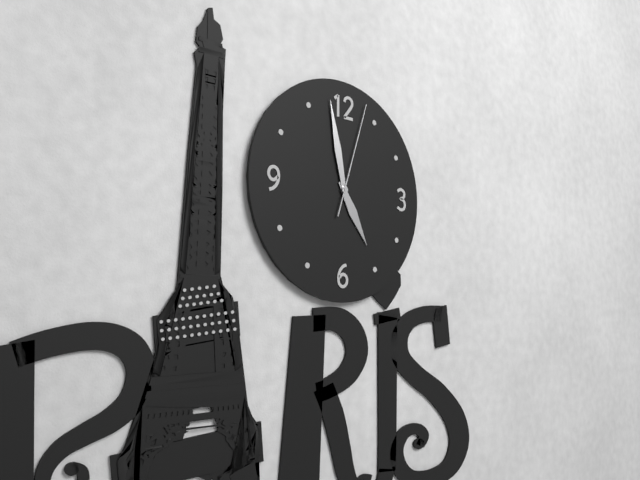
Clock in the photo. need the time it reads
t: 4:58:03
